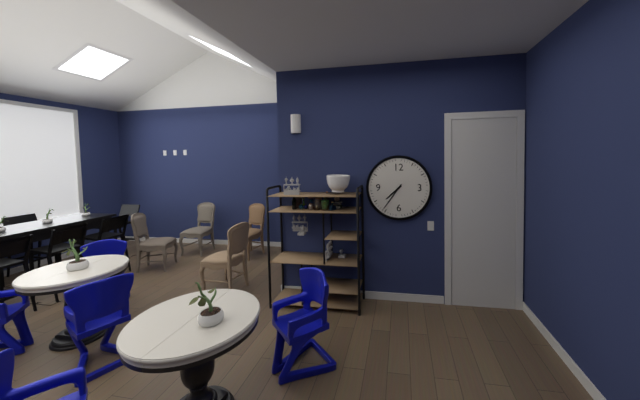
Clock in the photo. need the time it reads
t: 7:36
